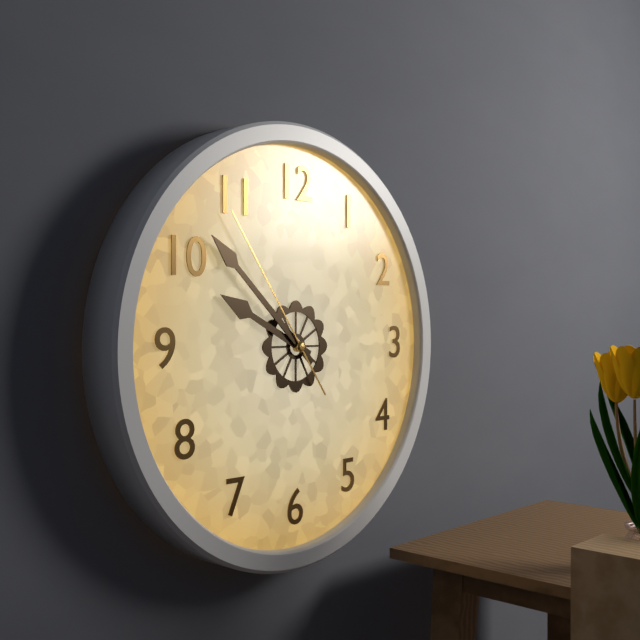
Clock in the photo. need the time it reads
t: 9:52:54
